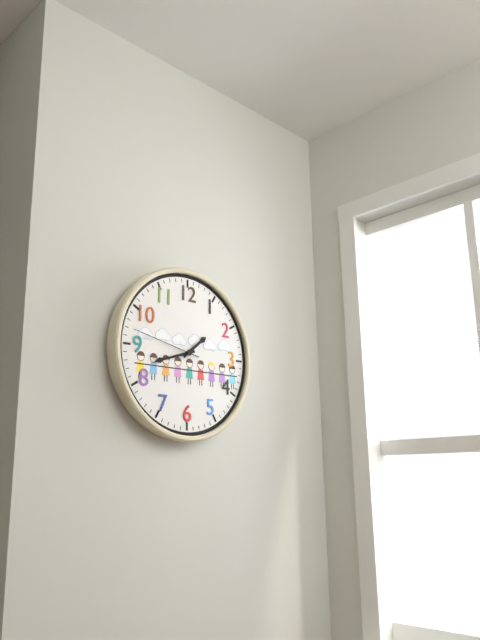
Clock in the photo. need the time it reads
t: 1:42:47
